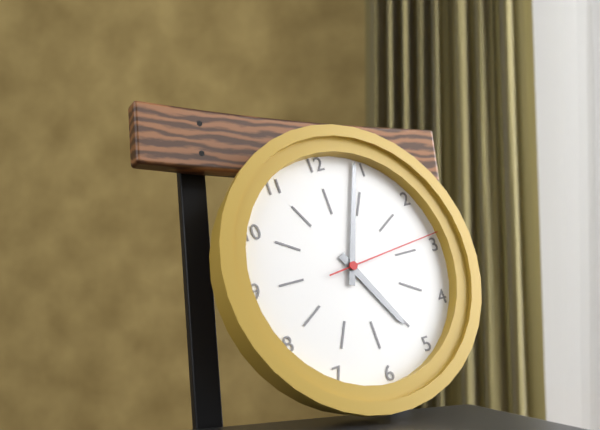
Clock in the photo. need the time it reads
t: 5:04:14
